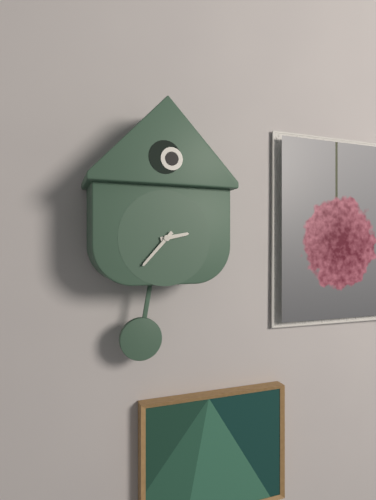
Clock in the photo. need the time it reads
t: 2:37
